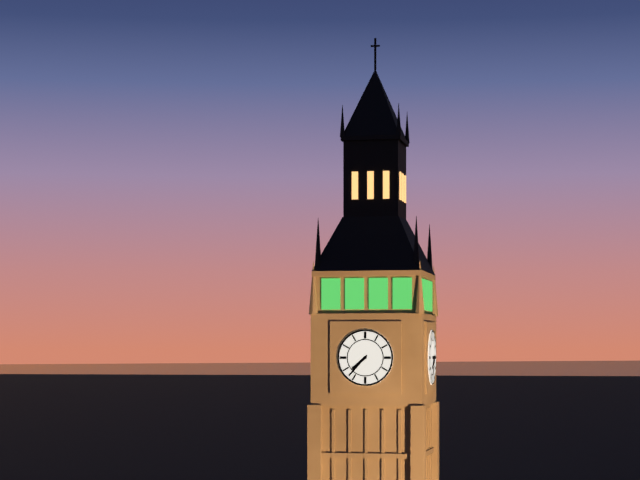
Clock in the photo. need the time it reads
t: 7:37
